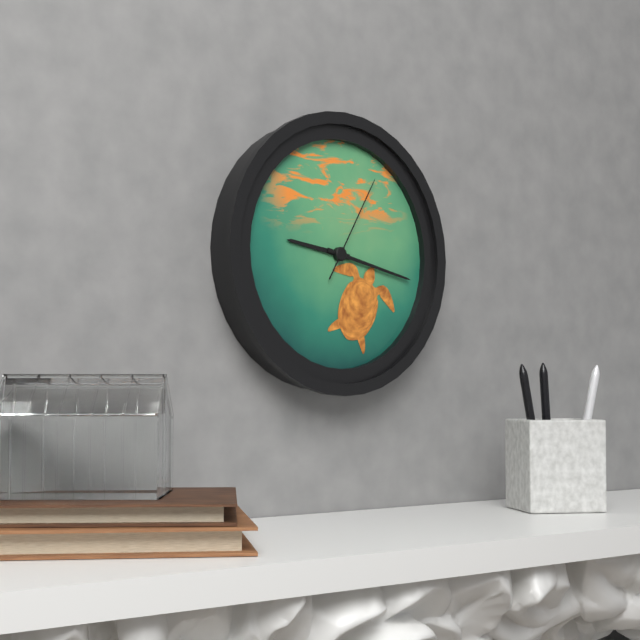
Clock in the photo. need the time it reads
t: 9:17:05
